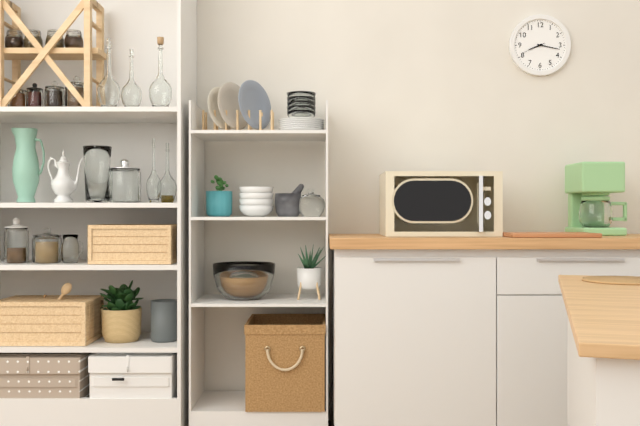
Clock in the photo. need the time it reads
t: 8:17
